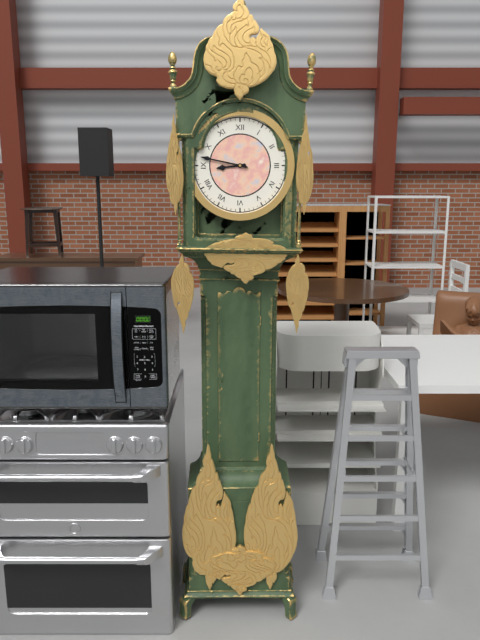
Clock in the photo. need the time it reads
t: 8:47
